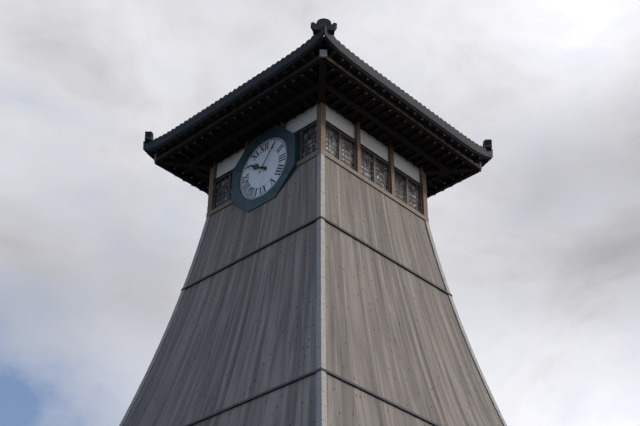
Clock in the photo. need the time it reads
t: 10:06
